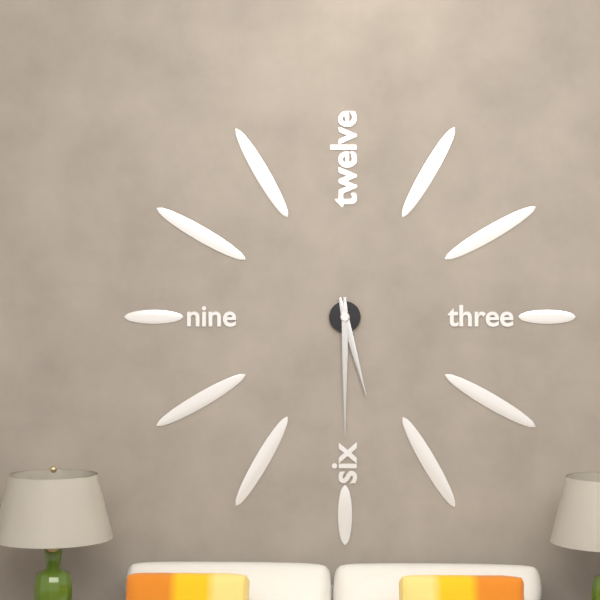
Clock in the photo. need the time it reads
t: 5:30
